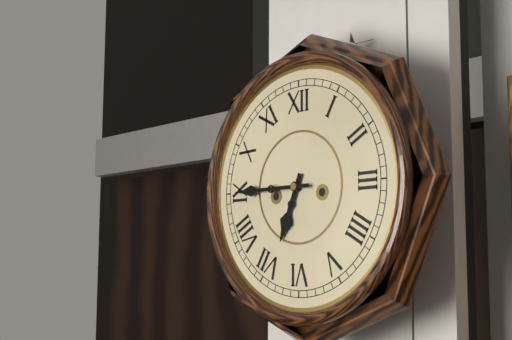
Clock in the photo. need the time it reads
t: 6:45
